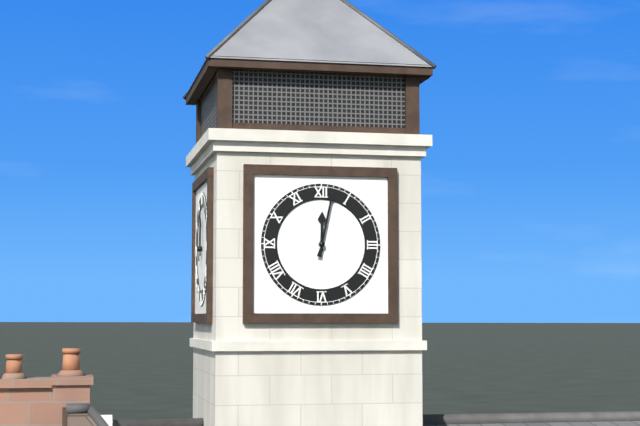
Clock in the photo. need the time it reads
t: 12:02
